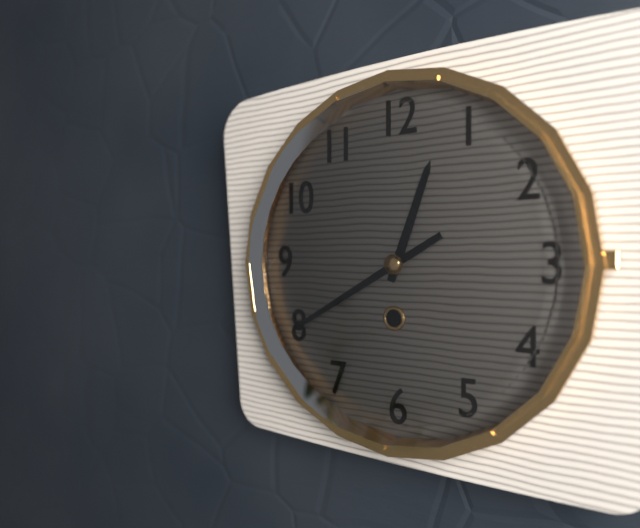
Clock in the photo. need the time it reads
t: 12:40
